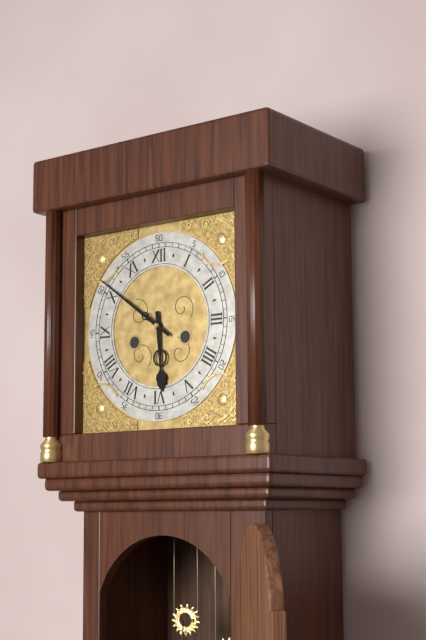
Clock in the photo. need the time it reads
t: 5:51
